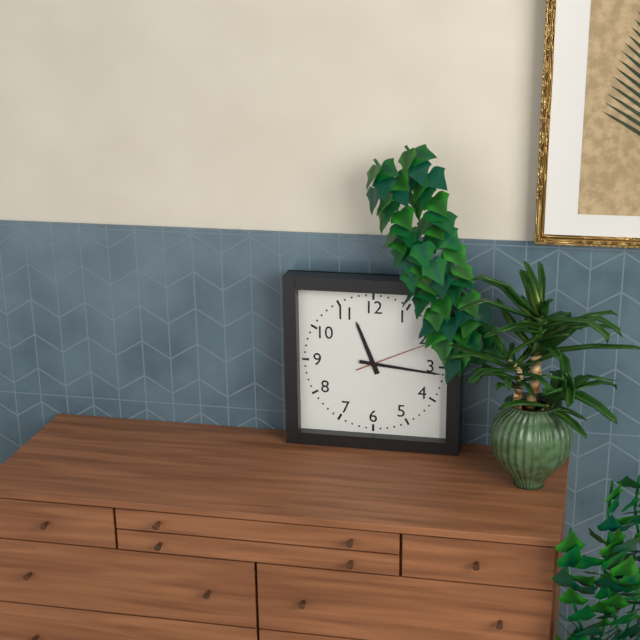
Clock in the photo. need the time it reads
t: 11:16:11
